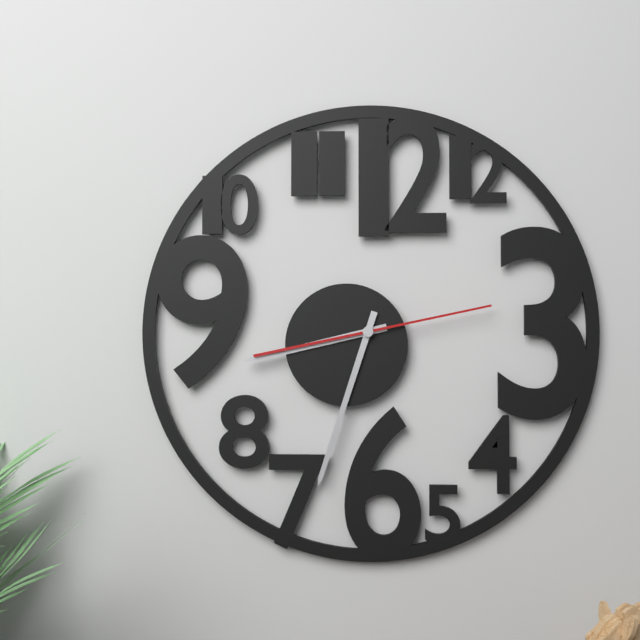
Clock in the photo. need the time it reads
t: 8:33:13
